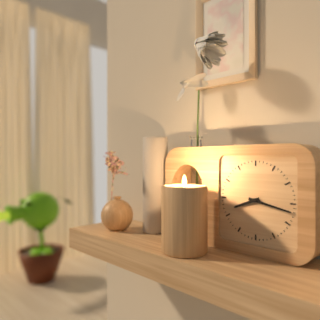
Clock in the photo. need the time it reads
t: 8:17
